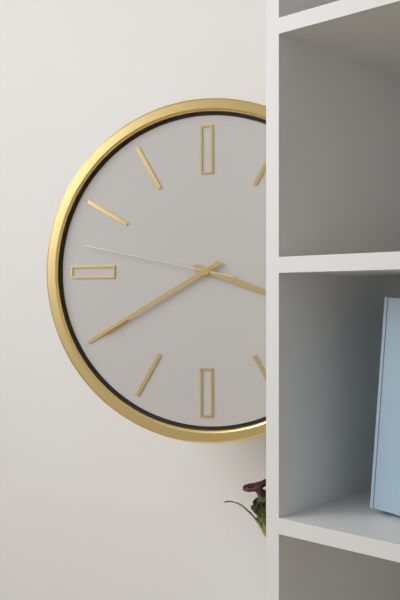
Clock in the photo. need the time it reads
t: 3:40:47
